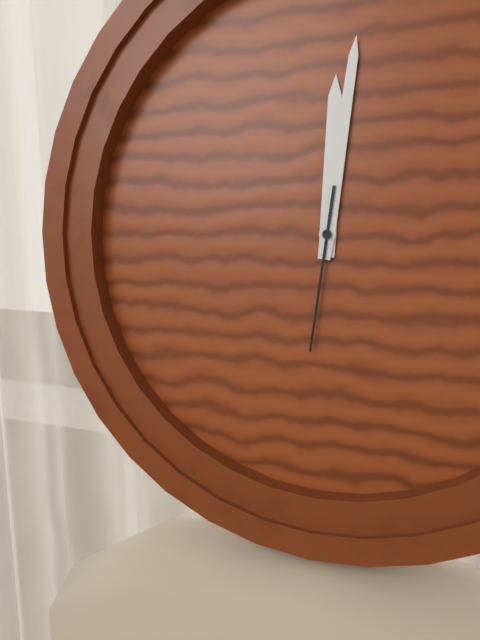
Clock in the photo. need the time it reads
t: 12:01:31
